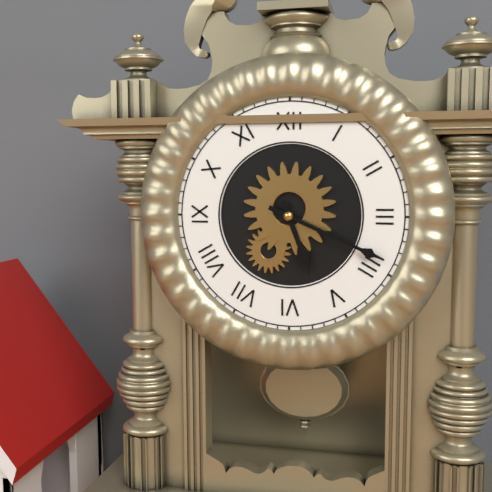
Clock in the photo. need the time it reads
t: 5:19
